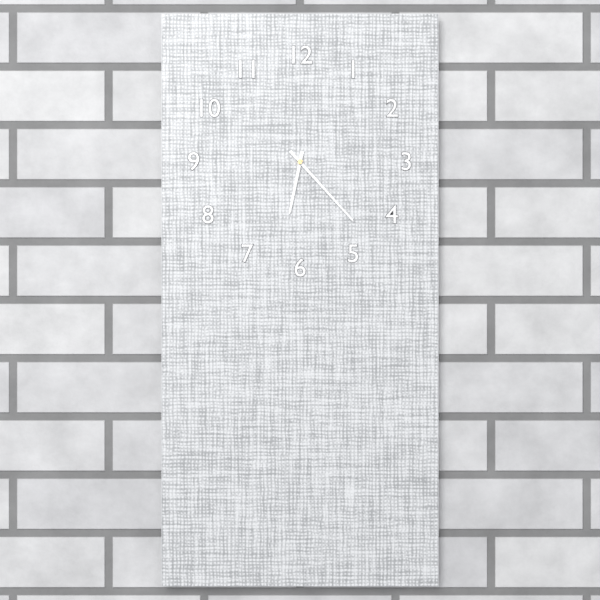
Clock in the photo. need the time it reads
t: 6:23
